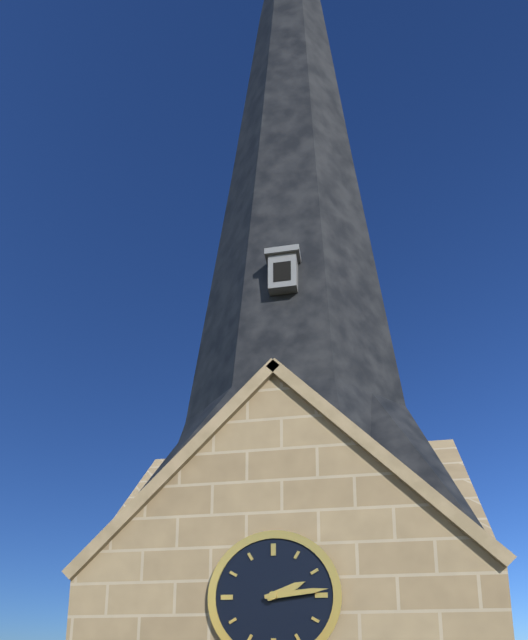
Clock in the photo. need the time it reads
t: 2:14
